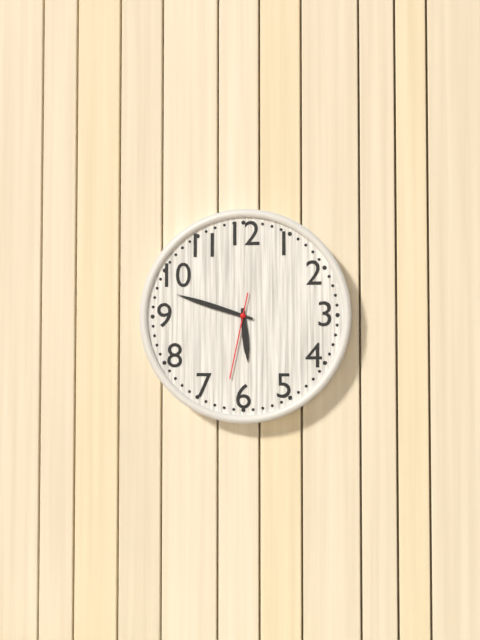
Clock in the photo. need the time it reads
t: 5:48:32
